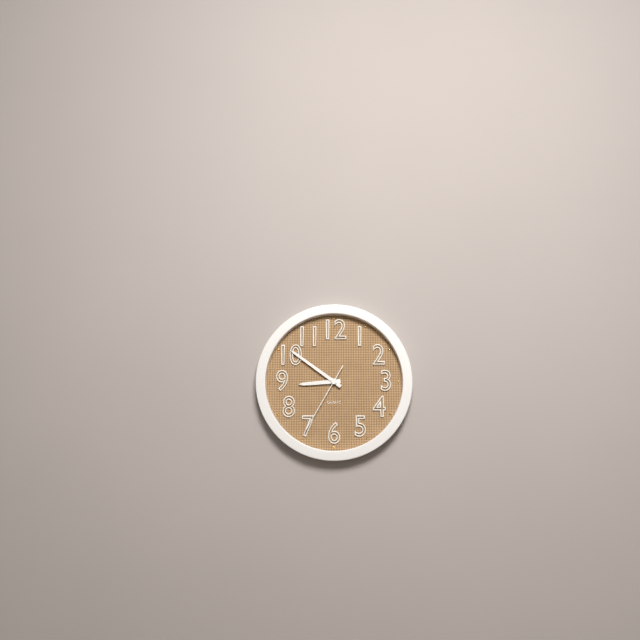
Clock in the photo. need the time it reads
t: 8:51:35
